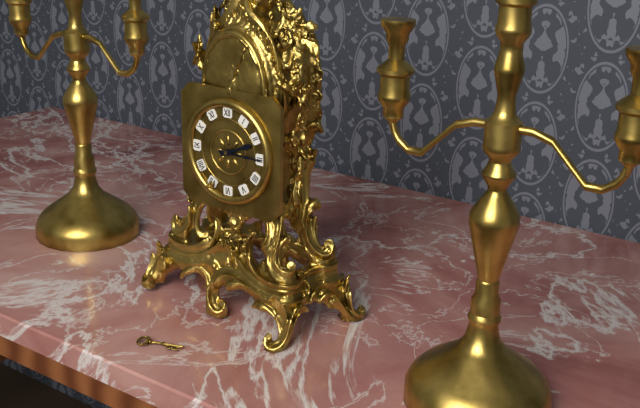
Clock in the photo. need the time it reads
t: 2:15
